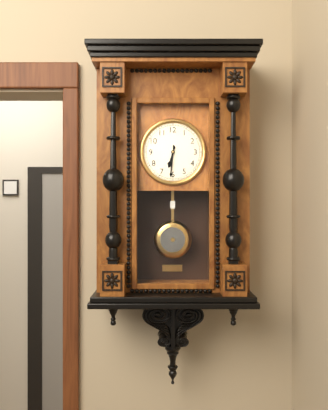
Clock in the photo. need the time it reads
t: 6:31
